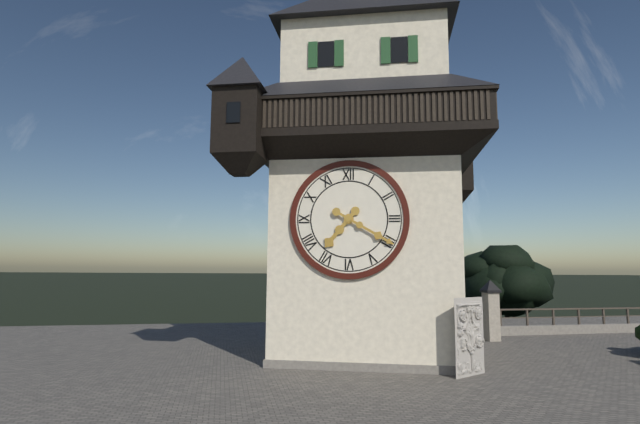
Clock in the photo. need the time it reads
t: 7:20
